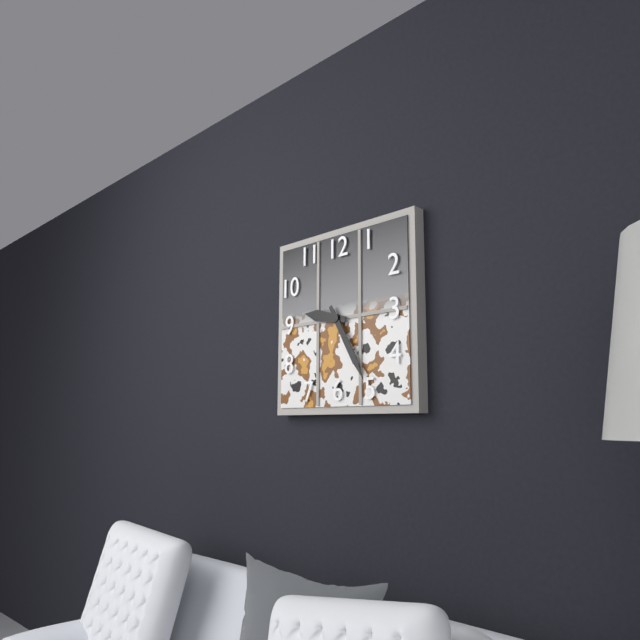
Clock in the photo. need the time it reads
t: 9:25
